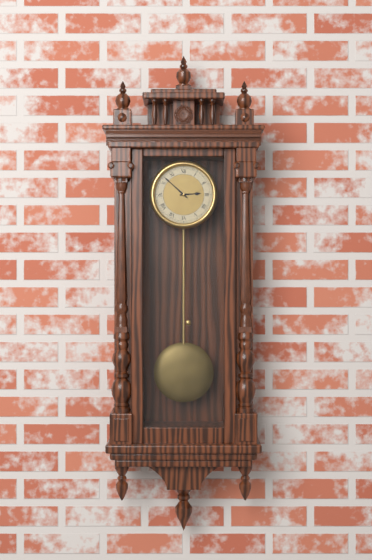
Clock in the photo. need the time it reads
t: 2:52
